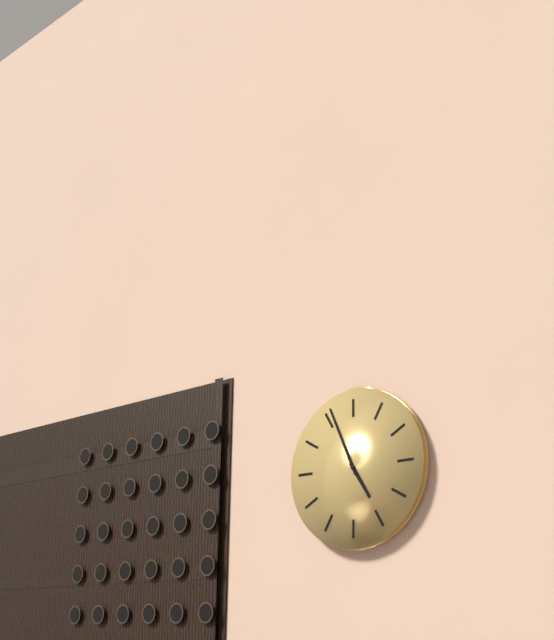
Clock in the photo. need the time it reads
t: 4:56
